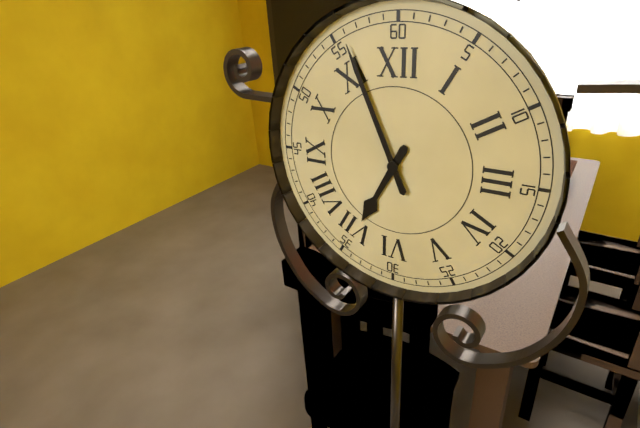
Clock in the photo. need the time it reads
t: 6:56
